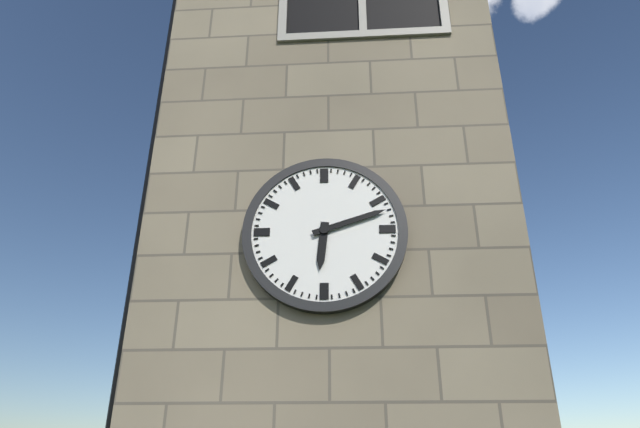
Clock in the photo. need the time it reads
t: 6:12
